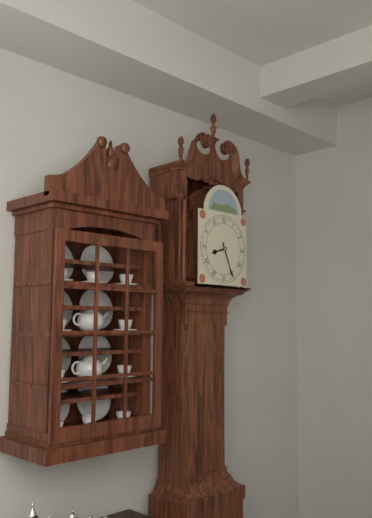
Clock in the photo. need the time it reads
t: 8:26
